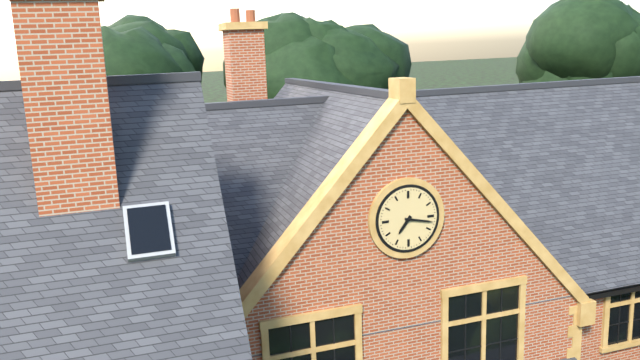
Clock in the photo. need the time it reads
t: 7:17
